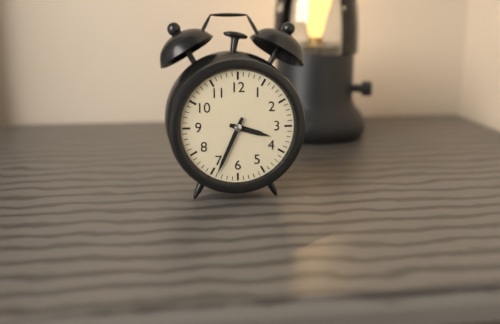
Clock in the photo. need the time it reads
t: 3:34
